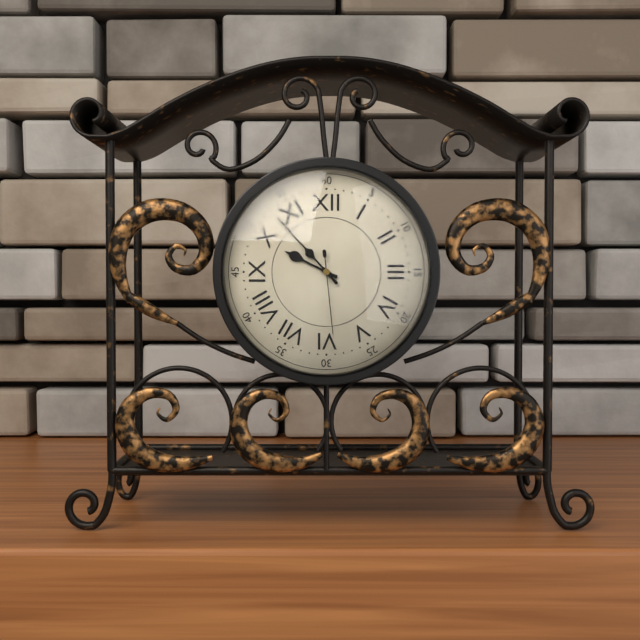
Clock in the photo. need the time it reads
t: 9:53:29
